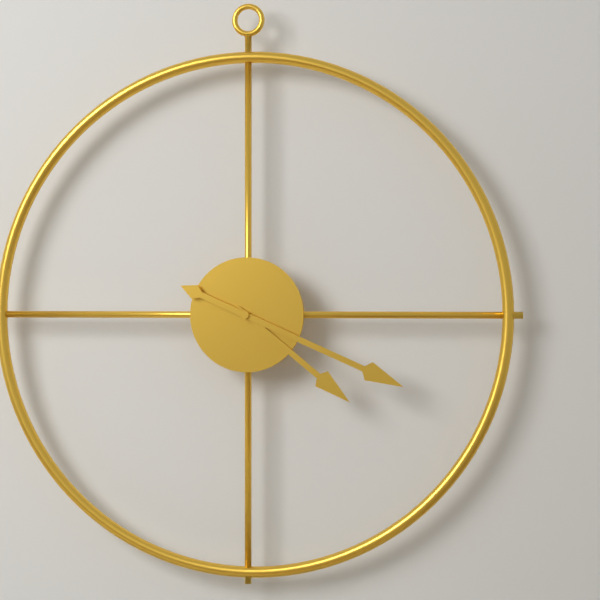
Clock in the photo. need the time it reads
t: 4:19
